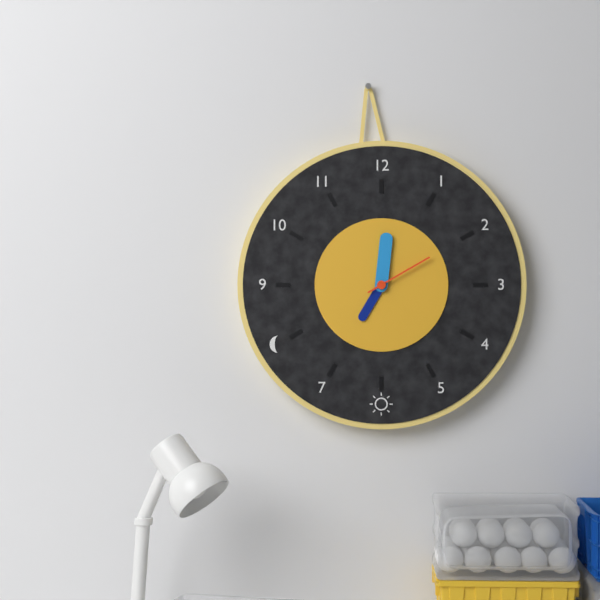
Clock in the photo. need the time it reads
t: 7:01:10
